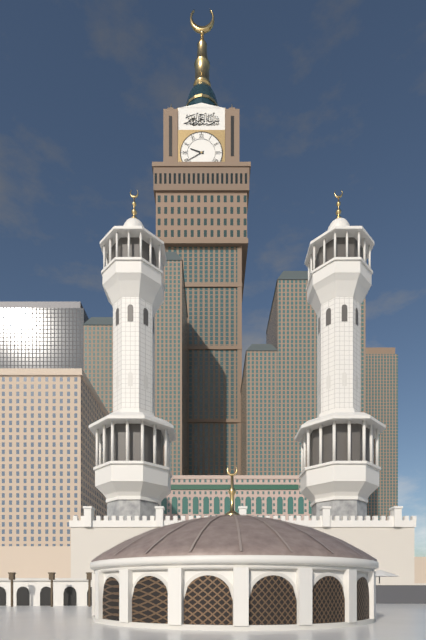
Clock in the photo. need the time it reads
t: 9:40
